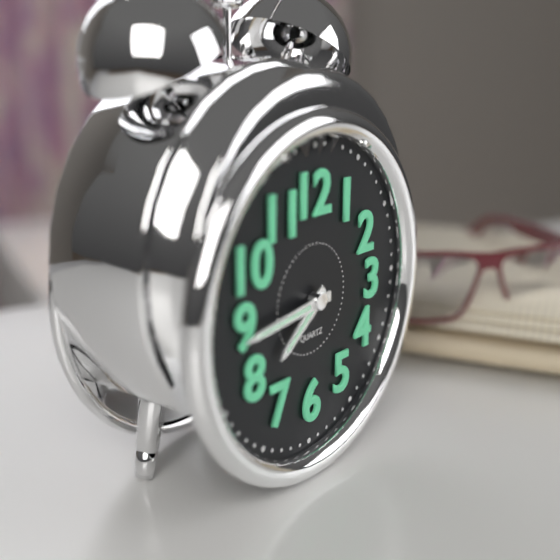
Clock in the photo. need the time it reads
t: 7:44
